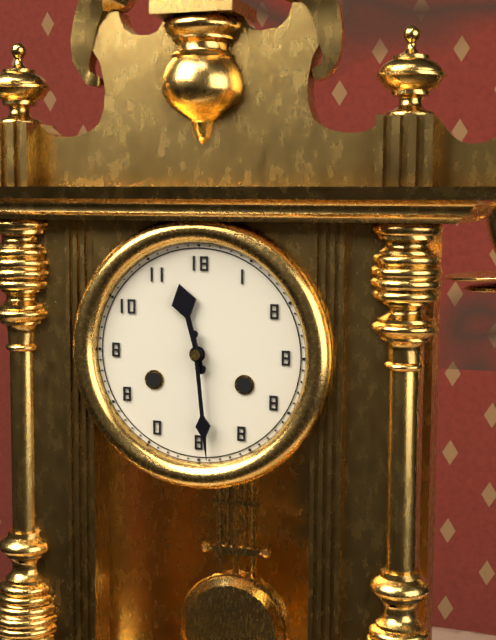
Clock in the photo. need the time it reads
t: 11:29
